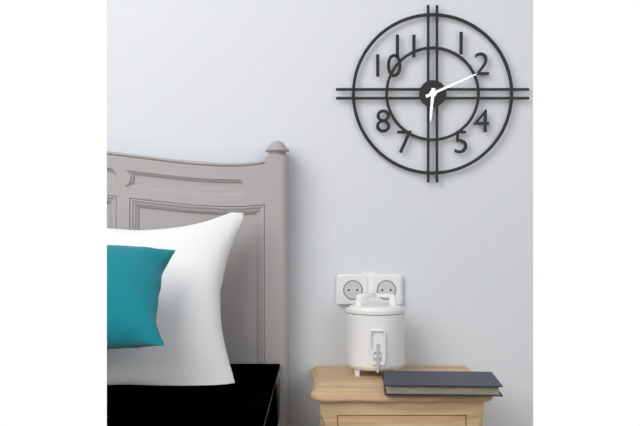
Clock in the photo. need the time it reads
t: 6:11
